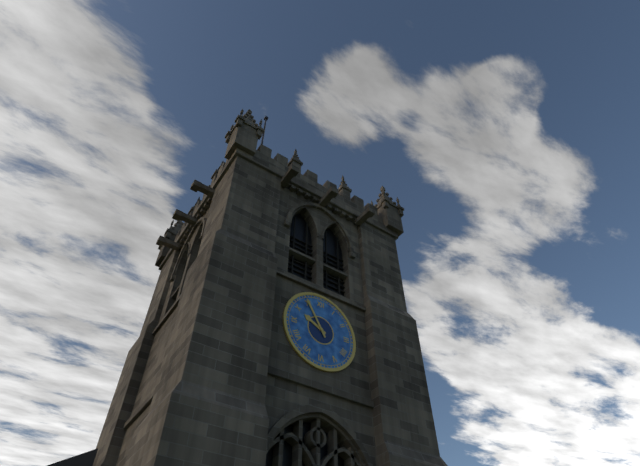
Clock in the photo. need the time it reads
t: 9:55
